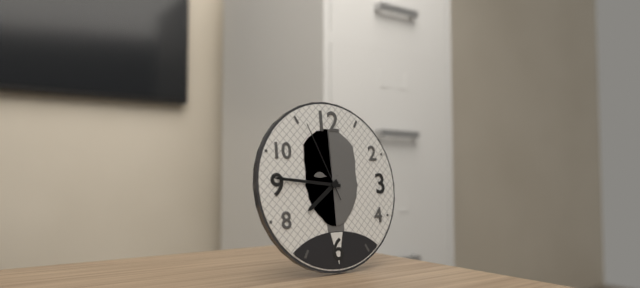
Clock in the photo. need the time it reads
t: 7:46:56
